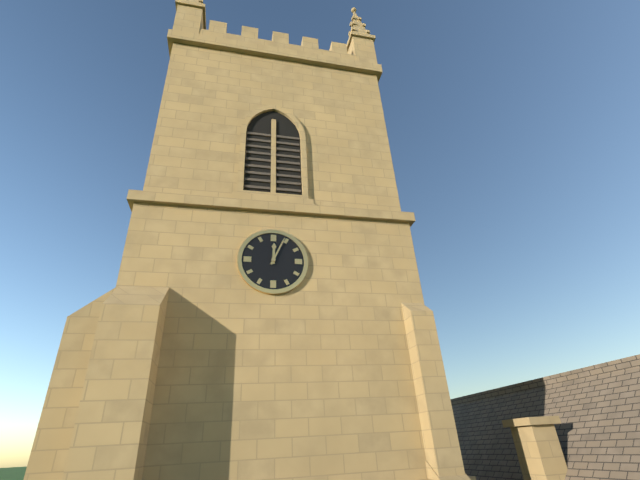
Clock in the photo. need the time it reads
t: 12:04
